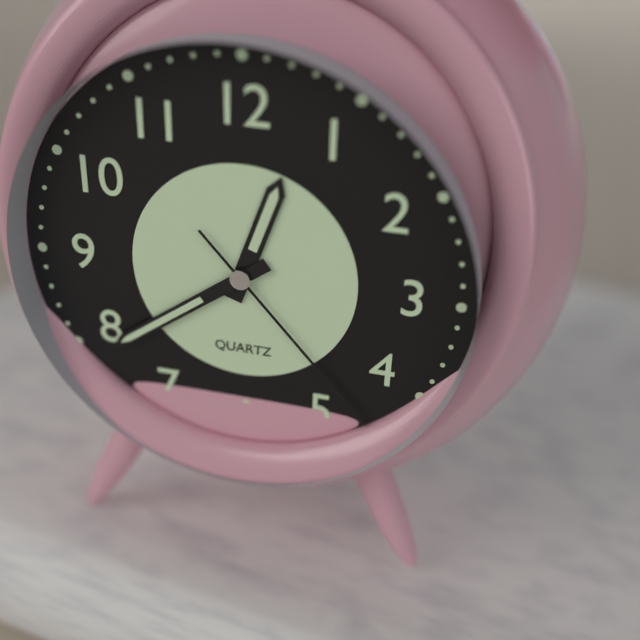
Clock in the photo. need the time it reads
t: 12:39:23
